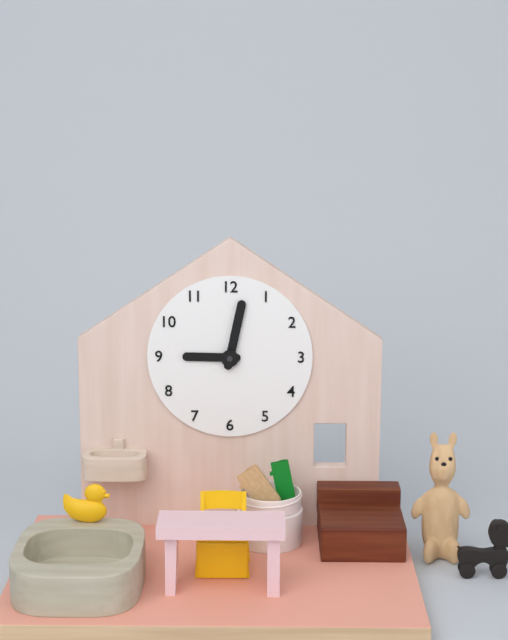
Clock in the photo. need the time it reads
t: 9:02
